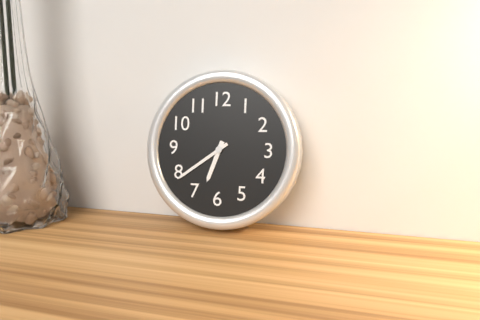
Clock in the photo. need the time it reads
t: 6:39
